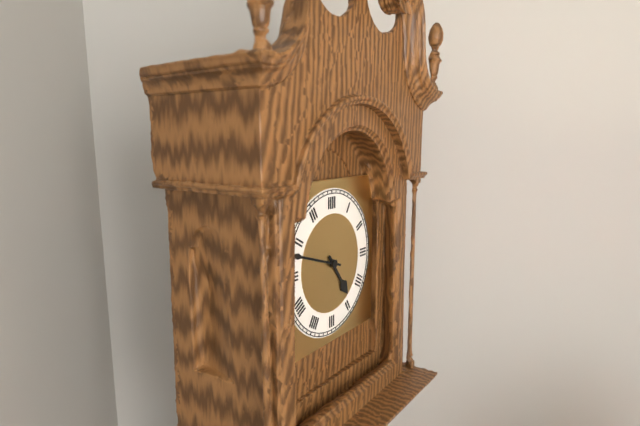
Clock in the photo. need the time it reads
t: 4:48
